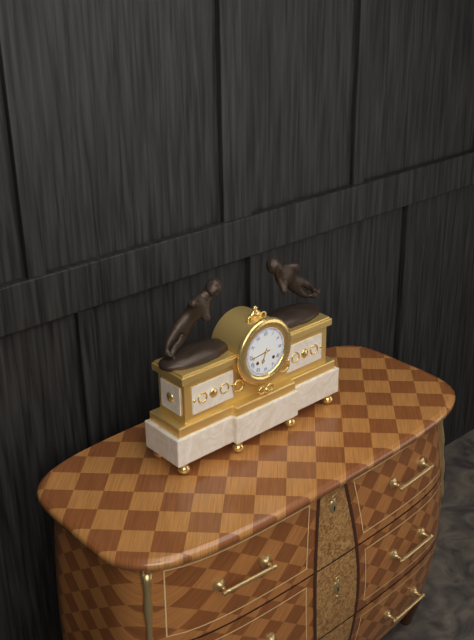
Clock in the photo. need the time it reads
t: 6:44
